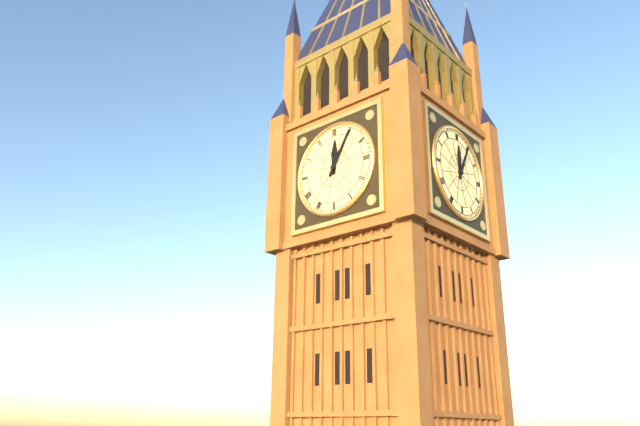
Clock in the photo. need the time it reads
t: 12:05
